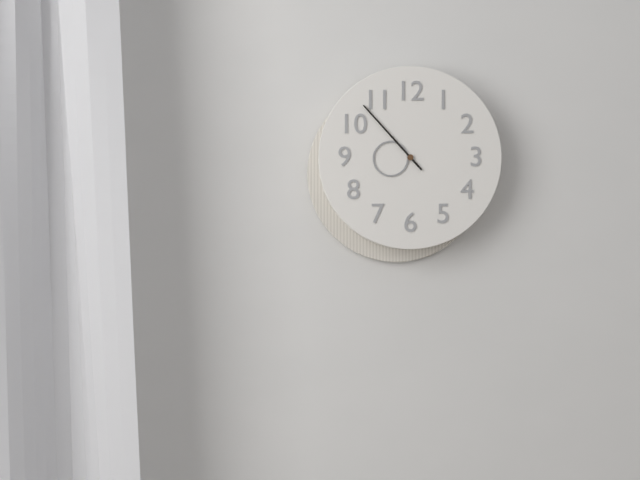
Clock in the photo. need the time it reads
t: 8:53
